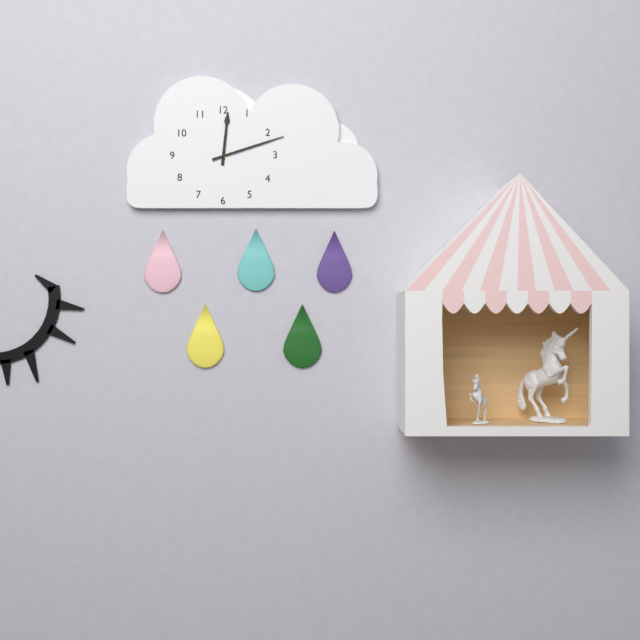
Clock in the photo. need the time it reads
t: 12:12
